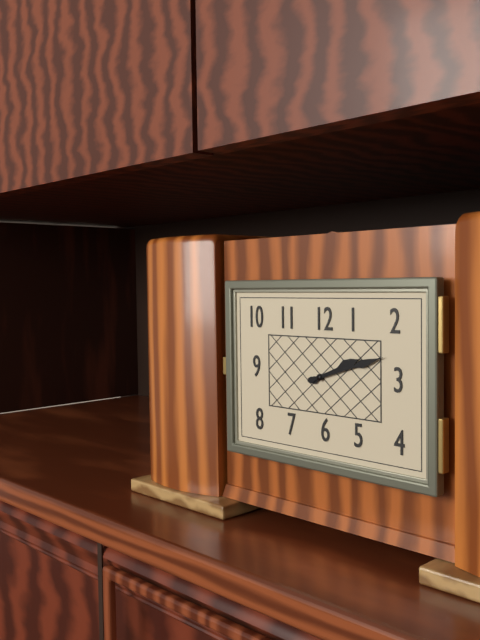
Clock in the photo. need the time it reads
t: 2:12
